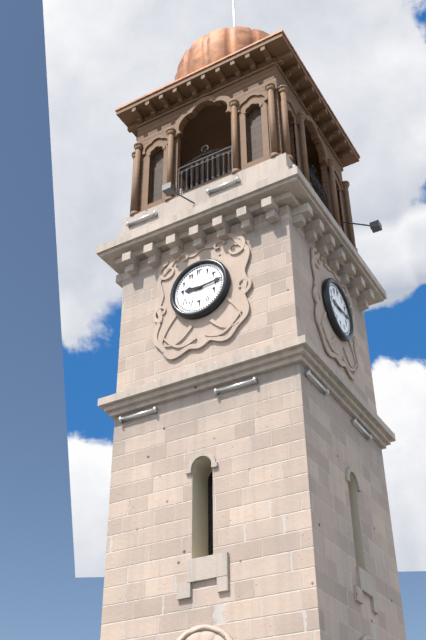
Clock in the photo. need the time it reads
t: 9:14
